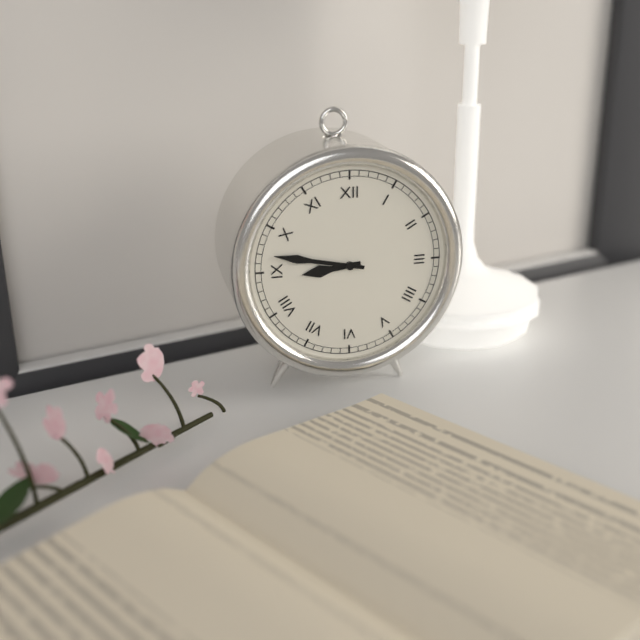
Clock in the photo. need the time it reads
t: 8:47
